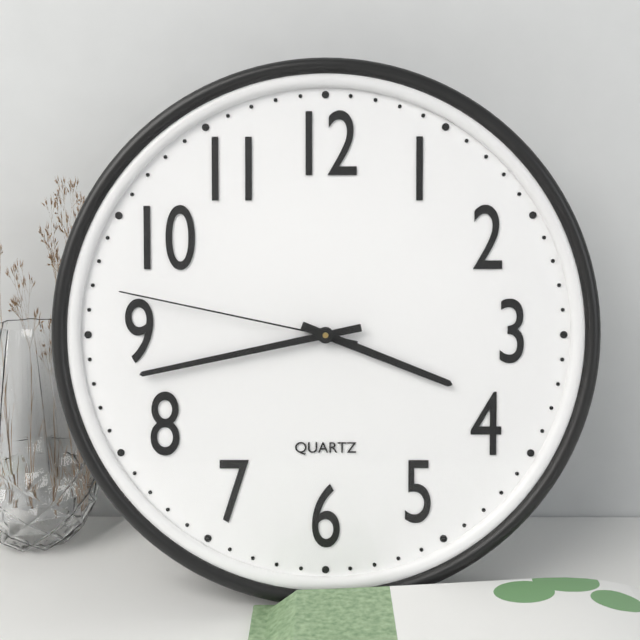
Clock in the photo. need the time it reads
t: 3:43:47
